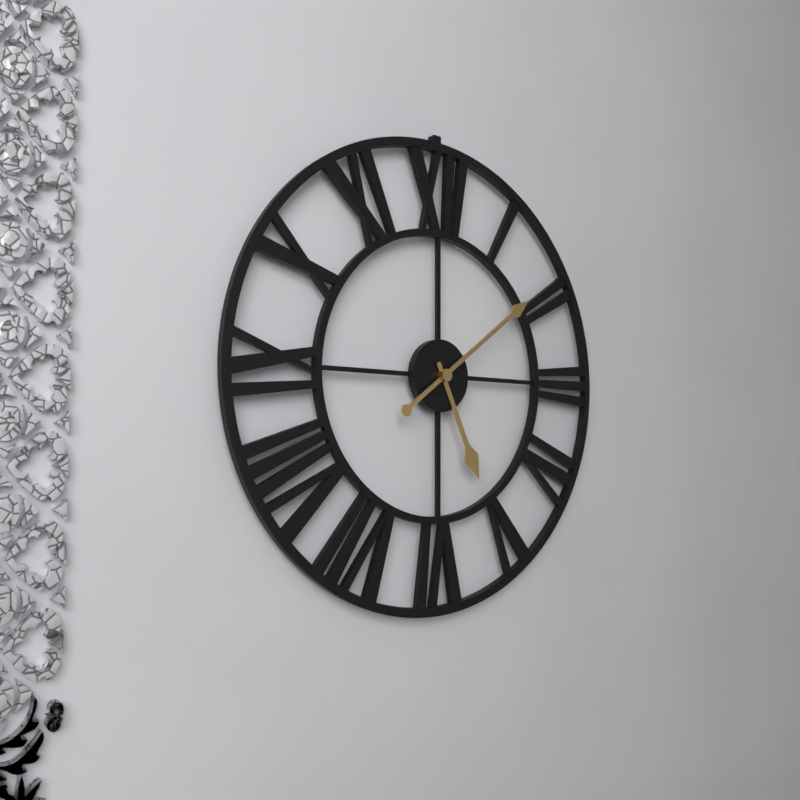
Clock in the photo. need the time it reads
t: 5:09
